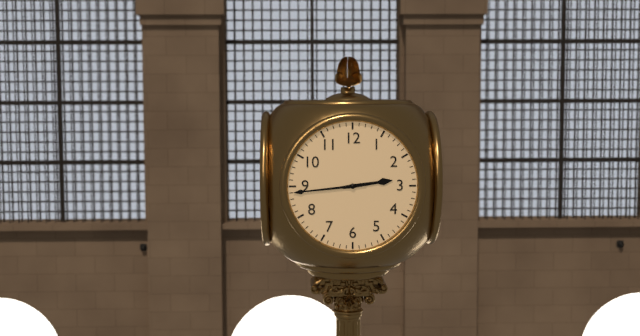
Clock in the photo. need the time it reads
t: 2:44
